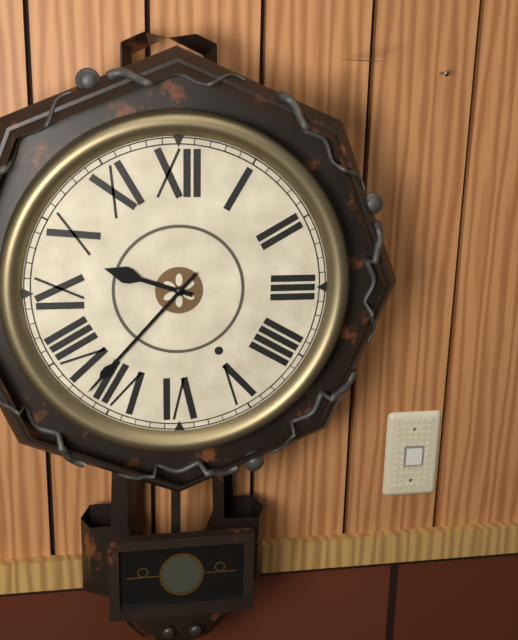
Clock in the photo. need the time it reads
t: 9:37
